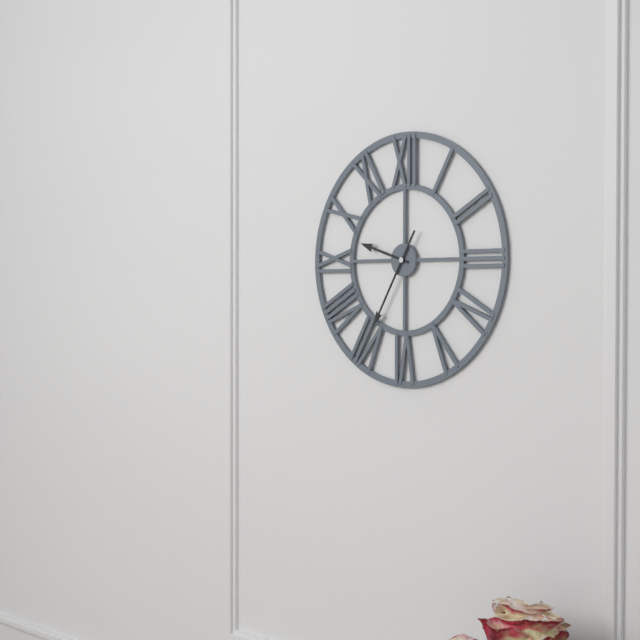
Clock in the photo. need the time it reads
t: 9:35
